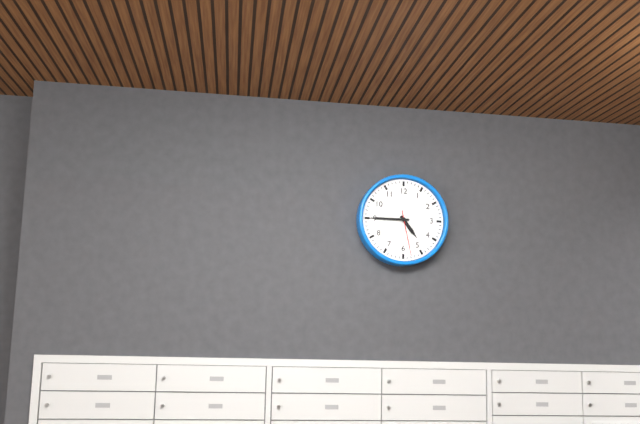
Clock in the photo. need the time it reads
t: 4:45
